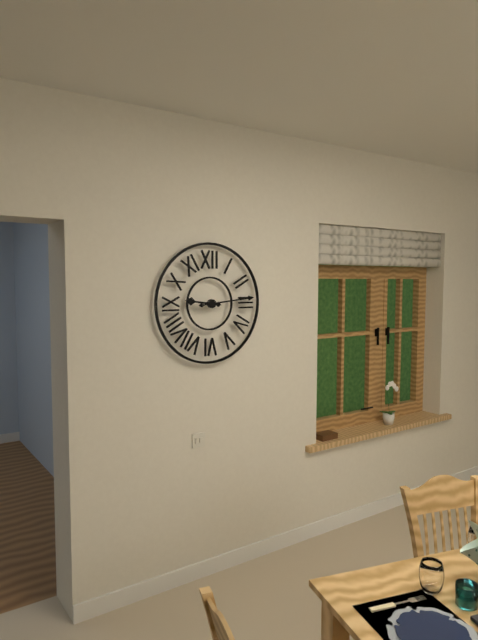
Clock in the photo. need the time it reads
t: 9:14
